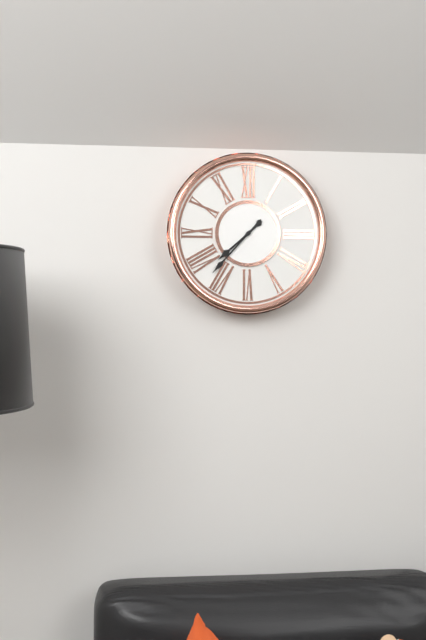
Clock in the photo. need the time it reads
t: 7:37
